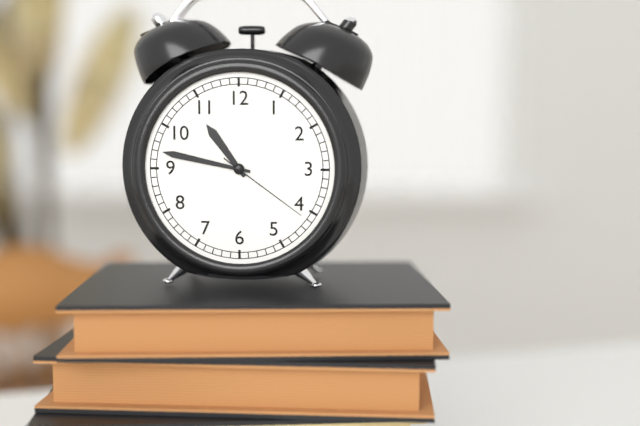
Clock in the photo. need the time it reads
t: 10:47:21
